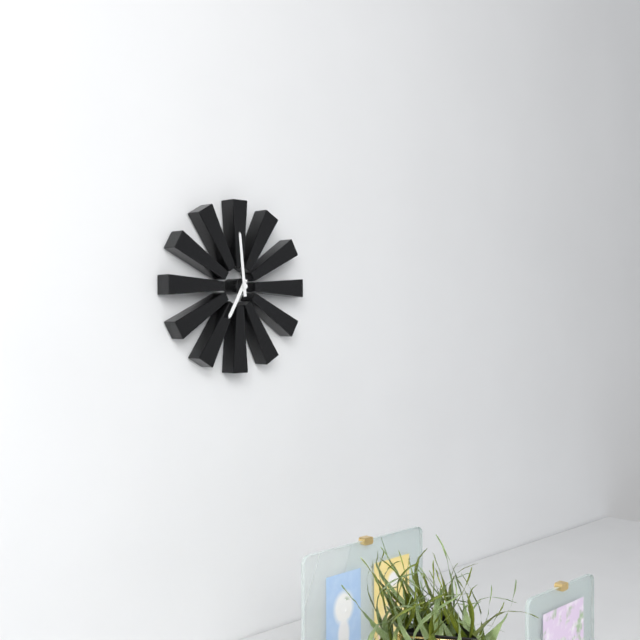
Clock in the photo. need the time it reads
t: 6:59
